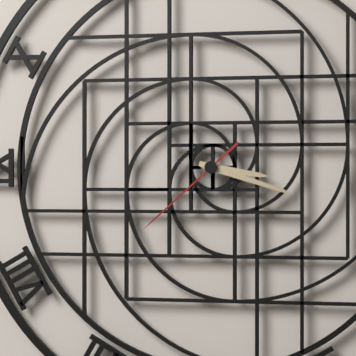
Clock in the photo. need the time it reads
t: 3:18:38
